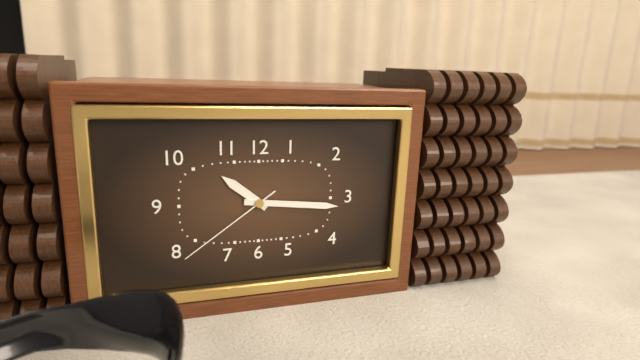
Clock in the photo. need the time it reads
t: 10:16:39
